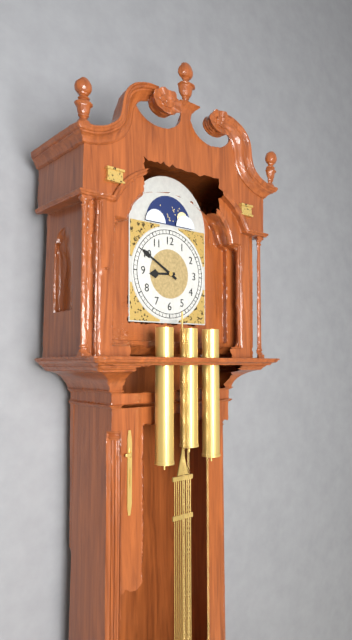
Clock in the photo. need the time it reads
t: 8:50
